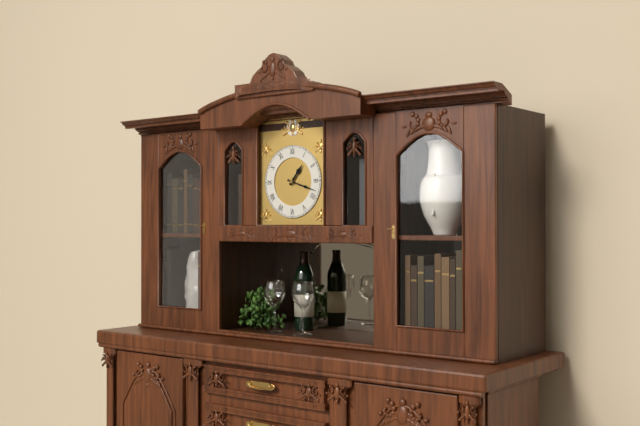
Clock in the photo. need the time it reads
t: 1:18
